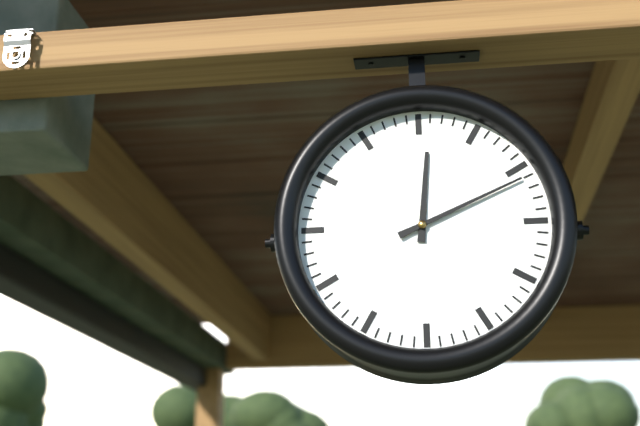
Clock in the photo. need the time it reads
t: 12:11
